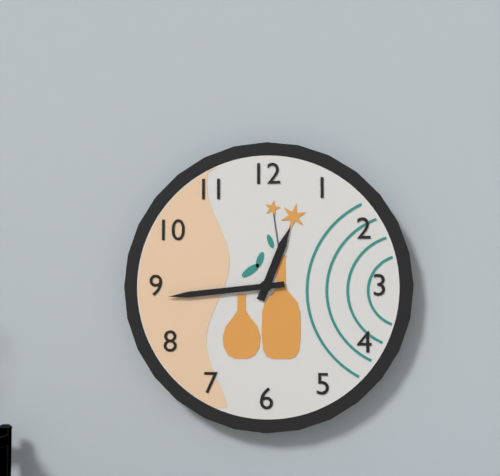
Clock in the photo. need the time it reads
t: 12:44
